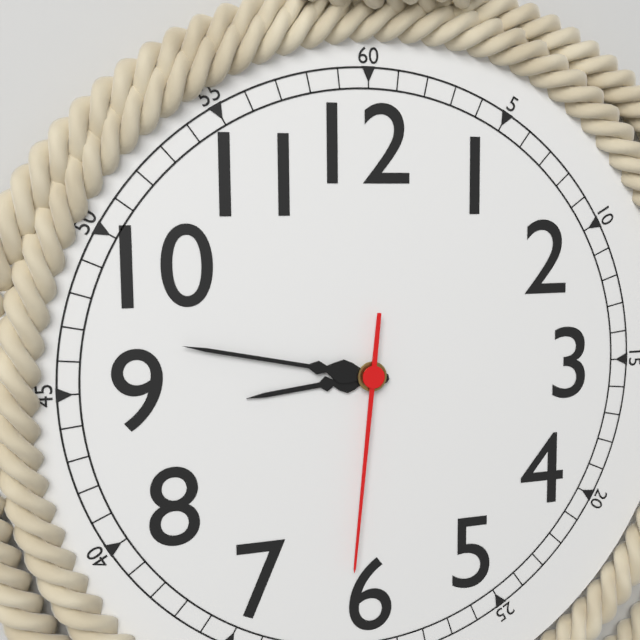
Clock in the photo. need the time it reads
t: 8:47:31
